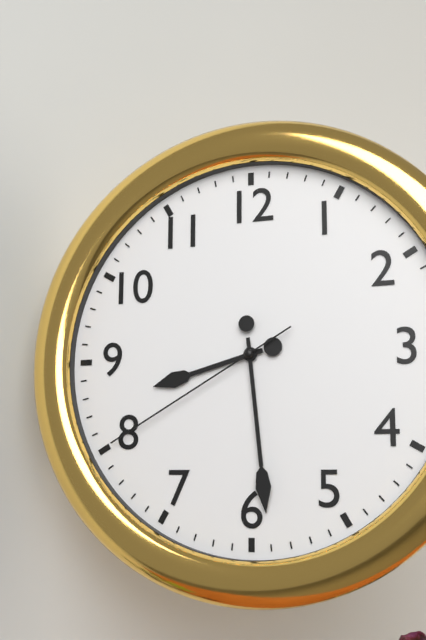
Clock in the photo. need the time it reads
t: 8:29:40
